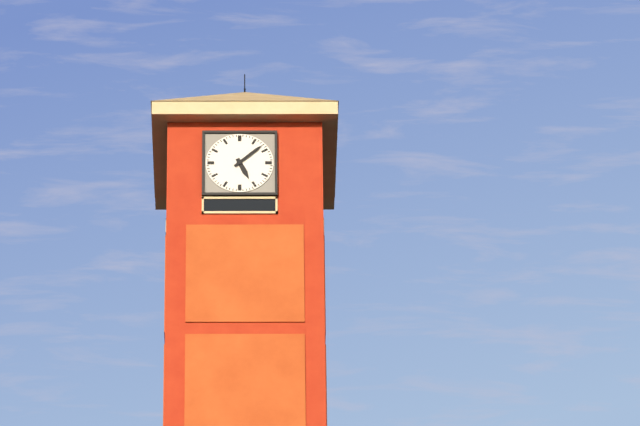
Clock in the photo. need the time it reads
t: 5:08
